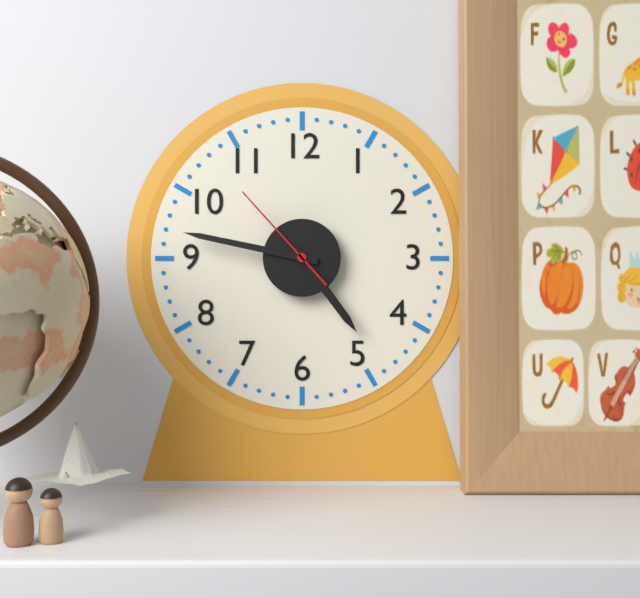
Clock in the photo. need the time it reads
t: 4:47:53
